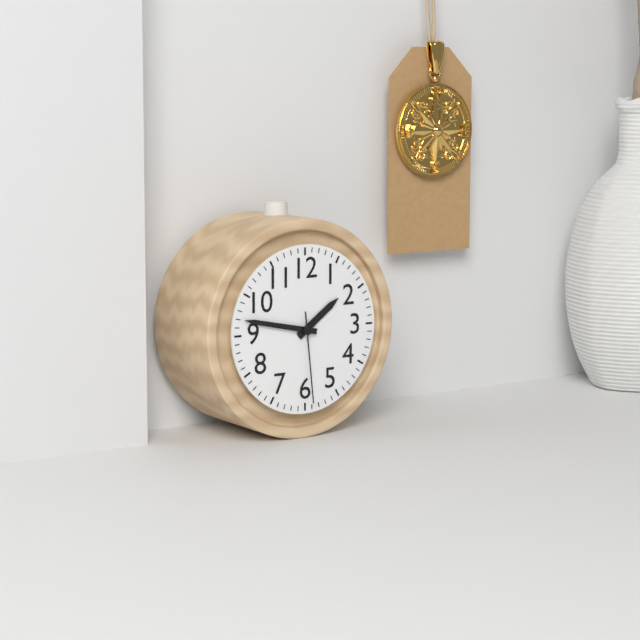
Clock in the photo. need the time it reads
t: 1:47:29
